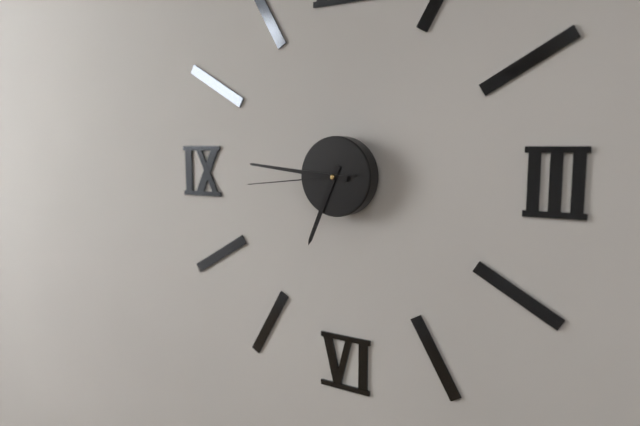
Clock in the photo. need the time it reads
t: 6:46:44
